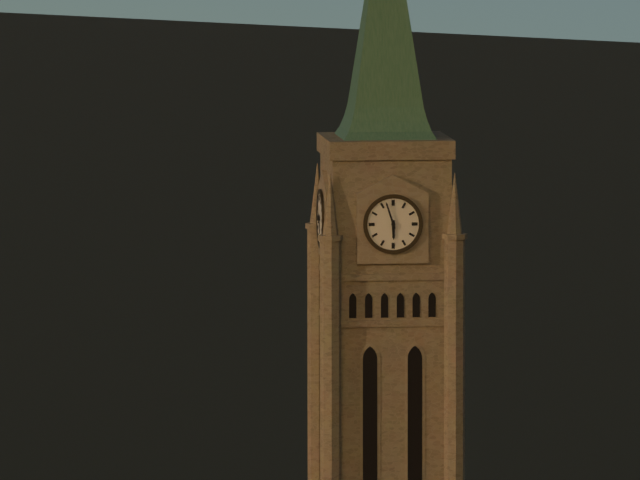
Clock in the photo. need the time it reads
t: 5:57
